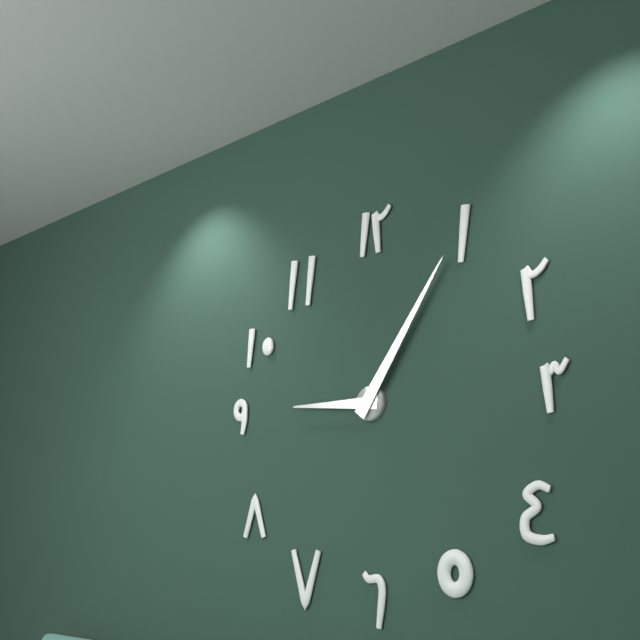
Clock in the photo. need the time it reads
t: 9:06
